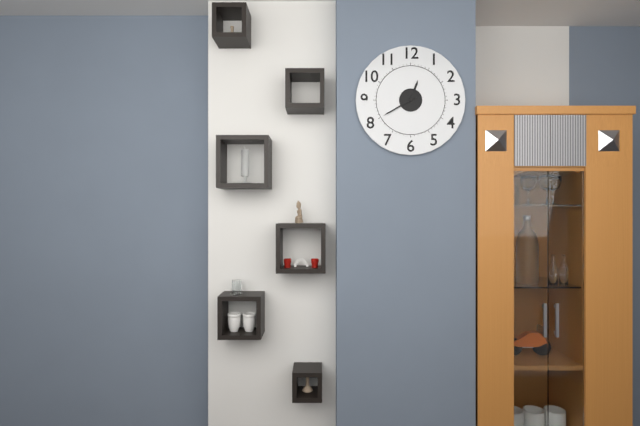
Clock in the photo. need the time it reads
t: 12:40
